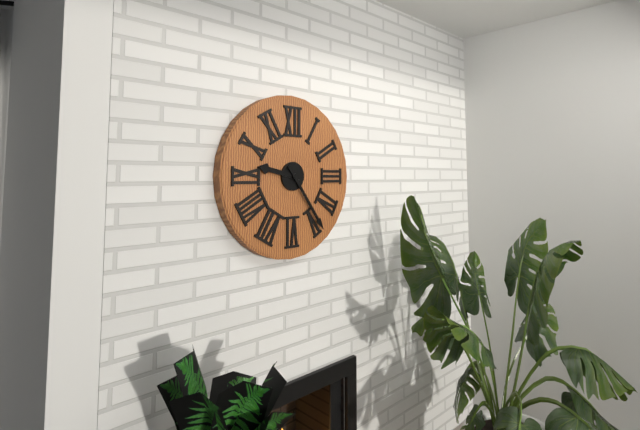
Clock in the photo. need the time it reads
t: 9:24
